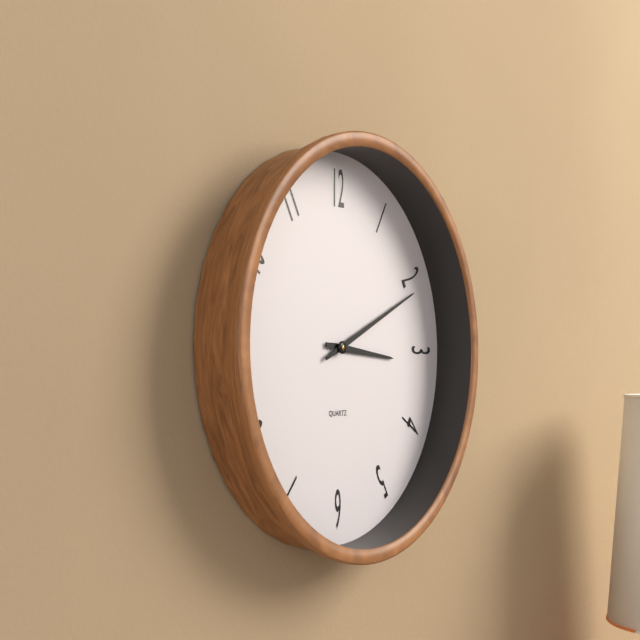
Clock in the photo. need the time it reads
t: 3:11
